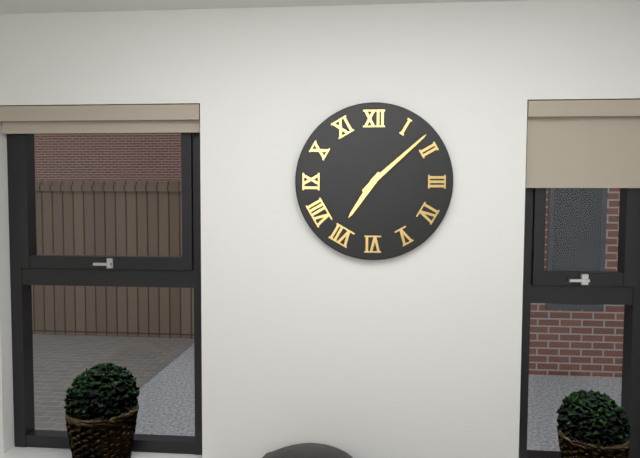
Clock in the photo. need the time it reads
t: 7:08
